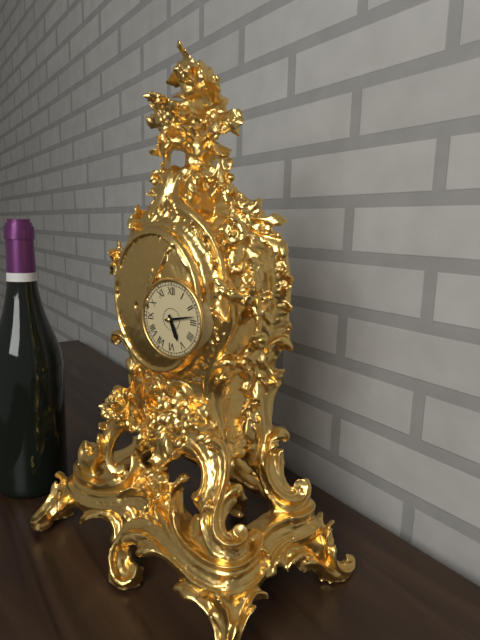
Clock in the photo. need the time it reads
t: 5:13
